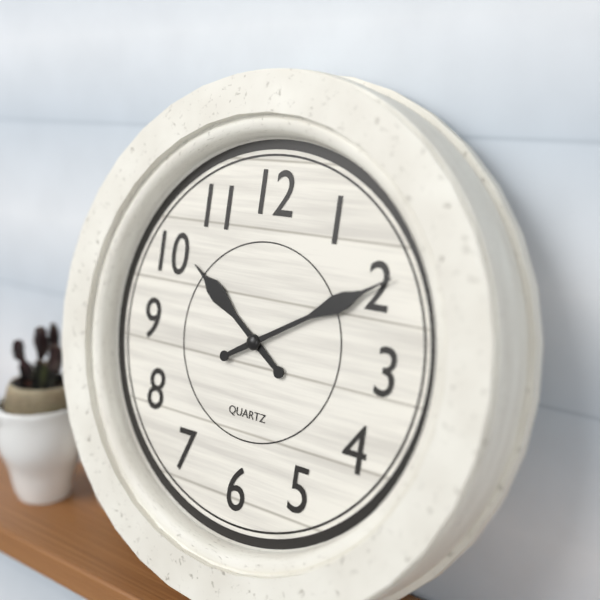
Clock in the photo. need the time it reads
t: 10:10
